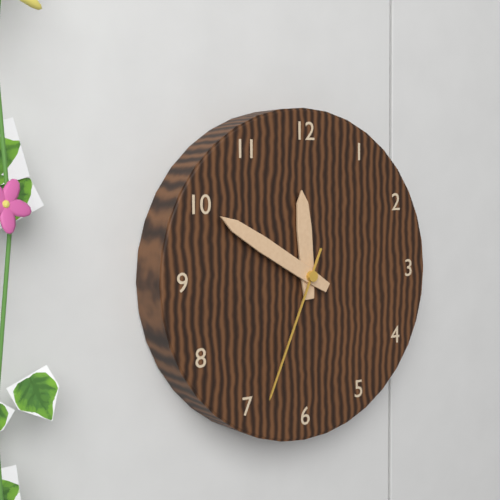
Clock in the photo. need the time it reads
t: 11:50:34
